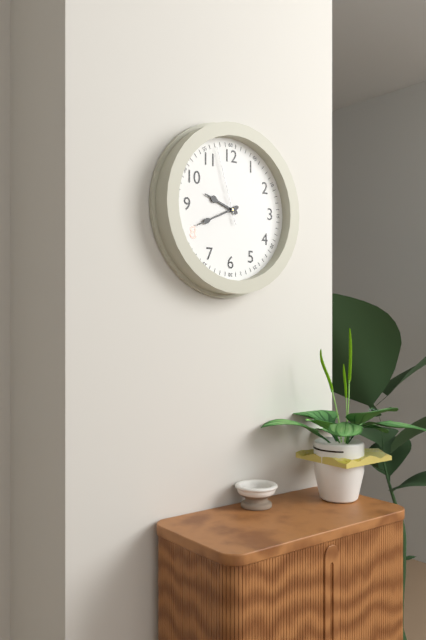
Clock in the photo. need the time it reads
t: 9:41:57
